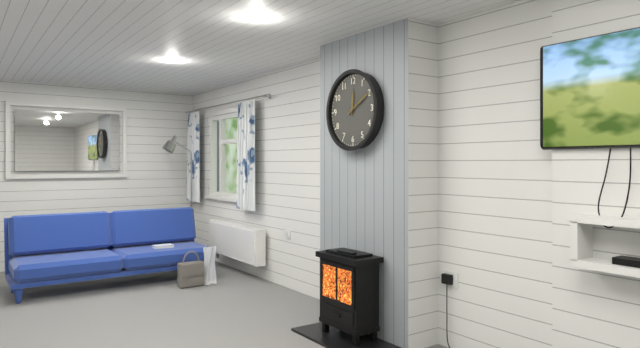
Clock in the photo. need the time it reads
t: 12:10
